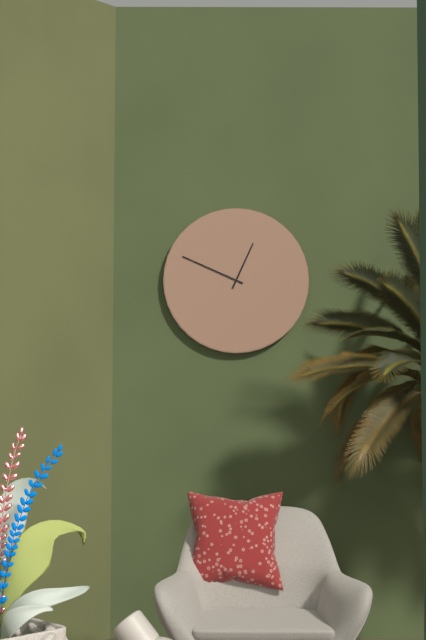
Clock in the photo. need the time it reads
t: 12:49
